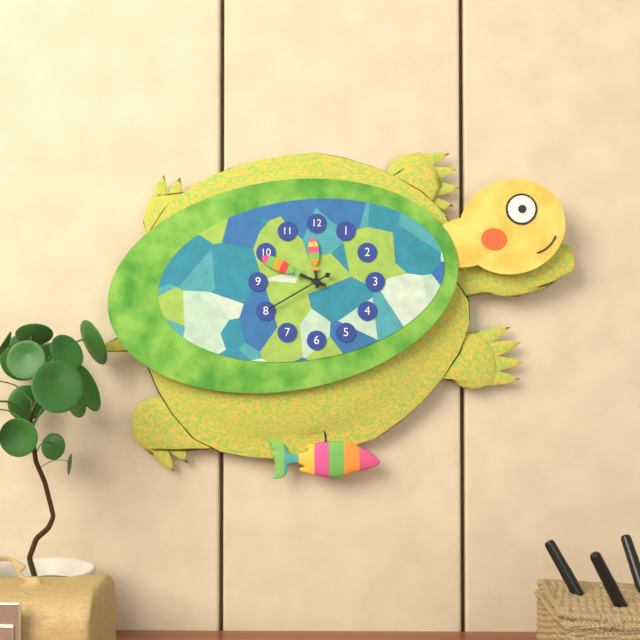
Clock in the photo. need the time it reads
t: 11:49:40
